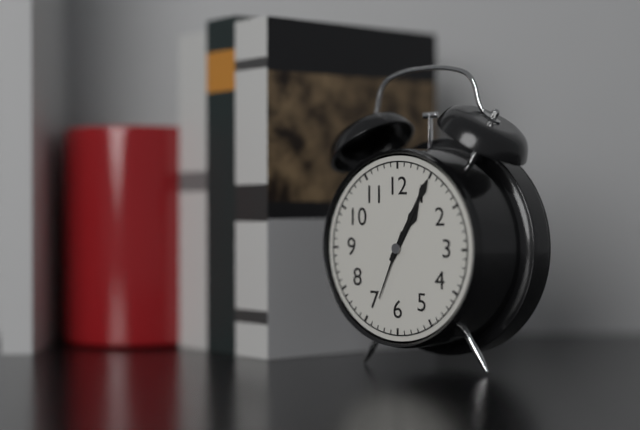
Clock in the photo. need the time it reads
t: 1:05:34
